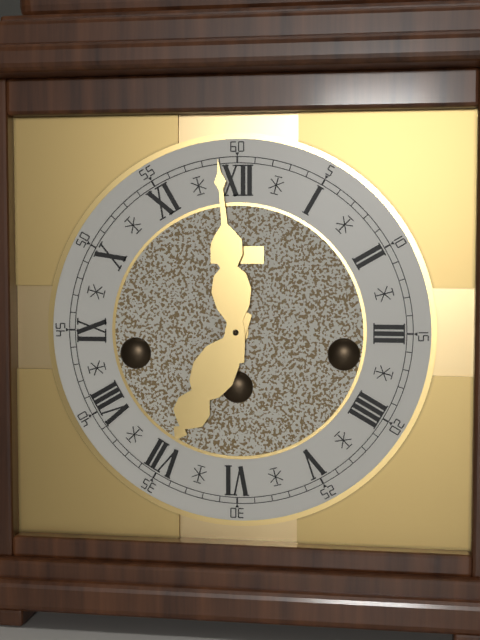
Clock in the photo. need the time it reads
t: 6:59
